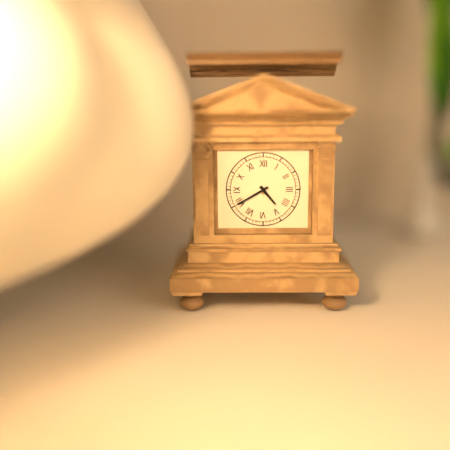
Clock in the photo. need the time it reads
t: 4:40
